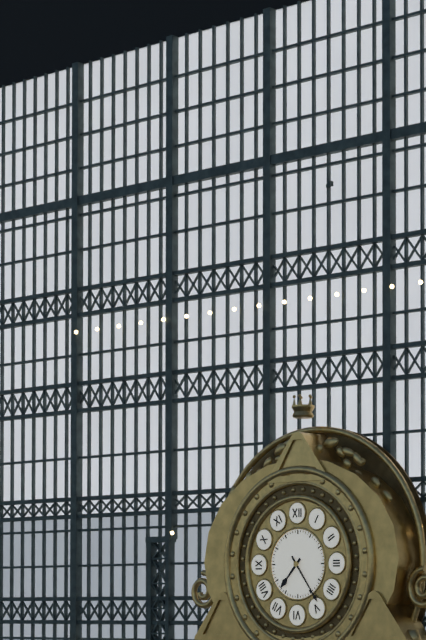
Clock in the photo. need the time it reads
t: 7:24
